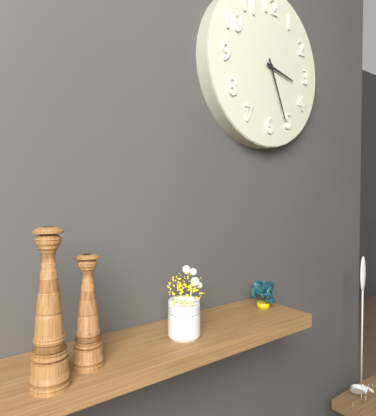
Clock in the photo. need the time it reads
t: 3:26
